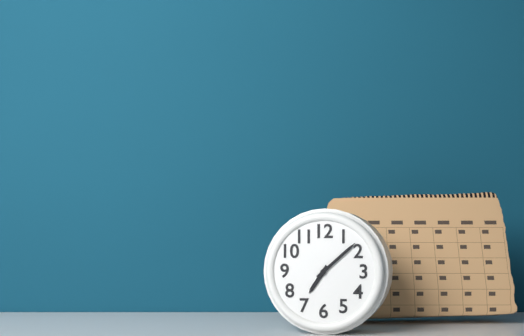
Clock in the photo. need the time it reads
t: 7:08
